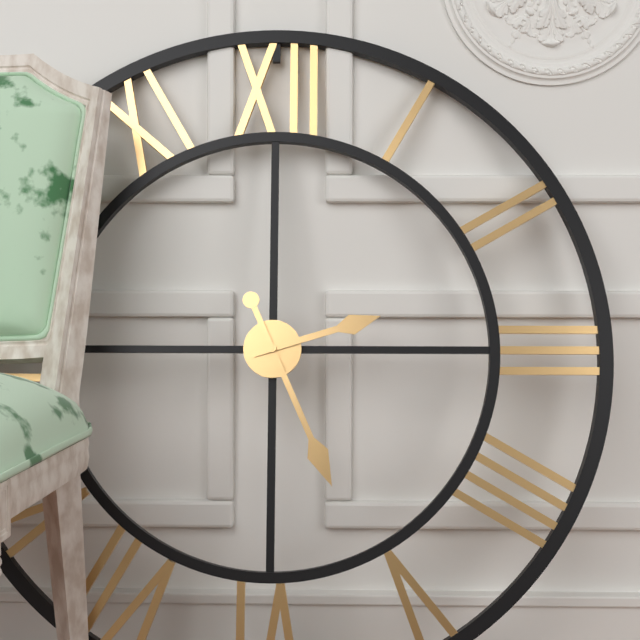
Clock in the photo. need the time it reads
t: 2:26
